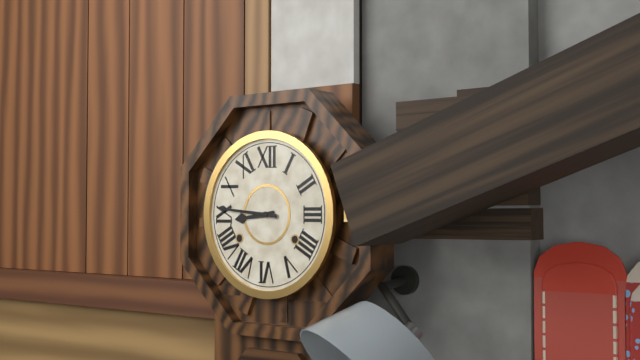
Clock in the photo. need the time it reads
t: 8:46
